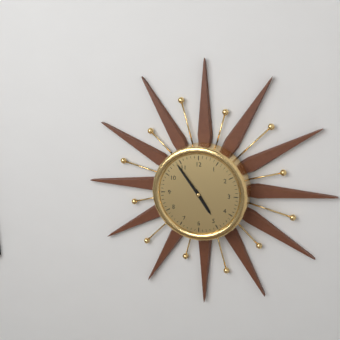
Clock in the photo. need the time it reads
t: 4:54
